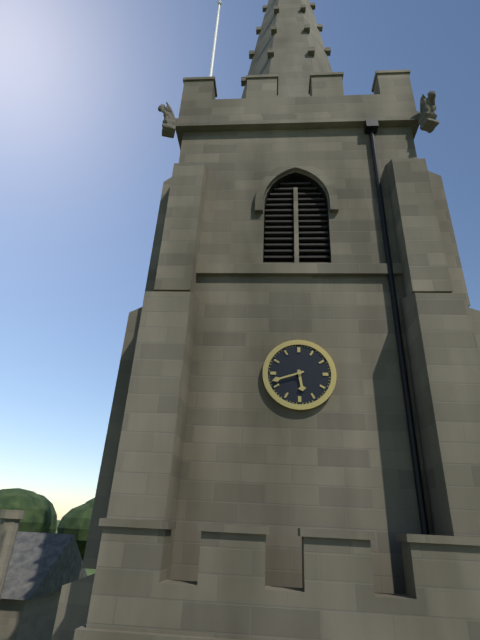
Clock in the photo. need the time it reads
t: 5:42
